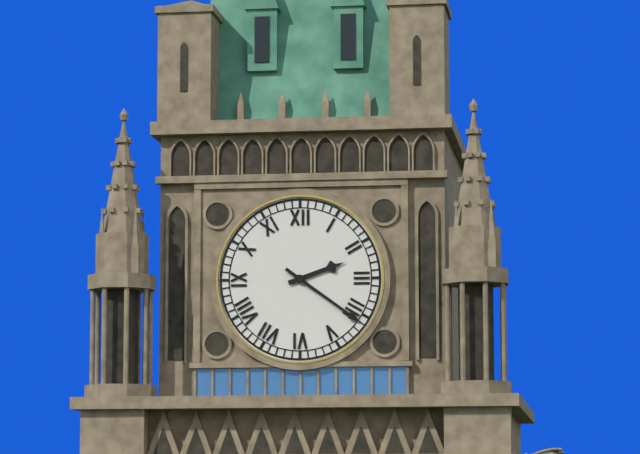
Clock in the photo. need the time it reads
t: 2:21
